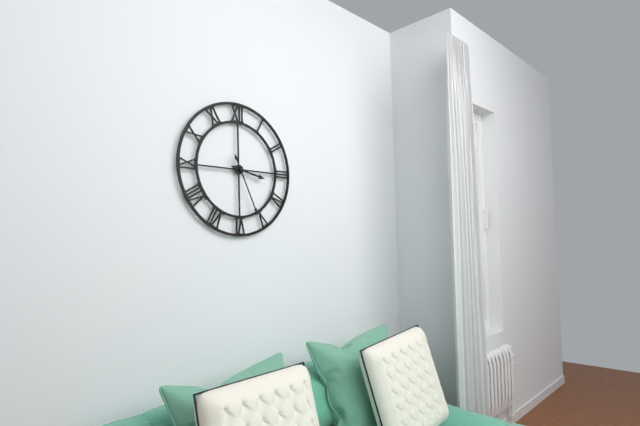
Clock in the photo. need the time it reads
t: 3:26
